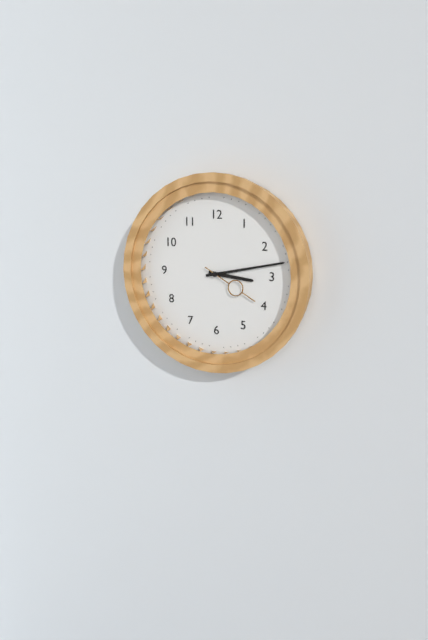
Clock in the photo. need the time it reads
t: 3:13:20
